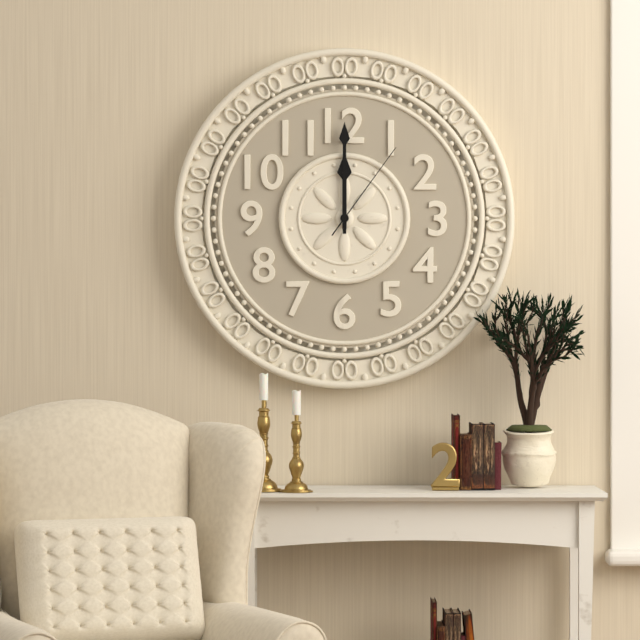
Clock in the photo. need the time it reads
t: 12:00:06
